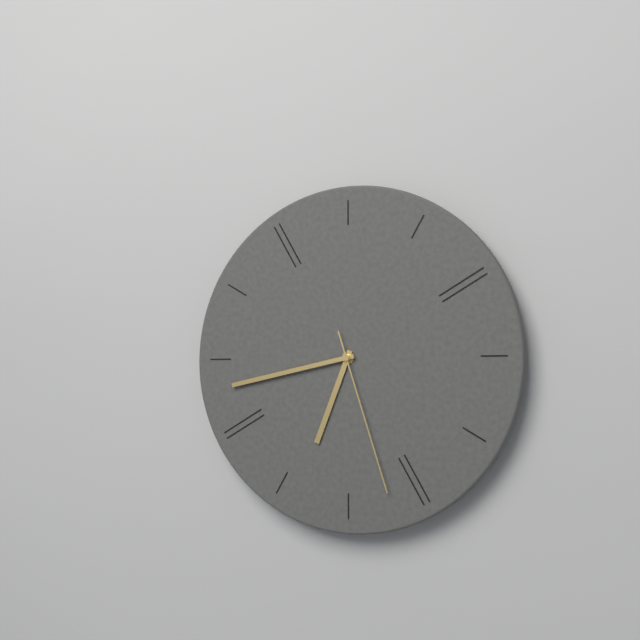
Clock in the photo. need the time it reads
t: 6:43:27
